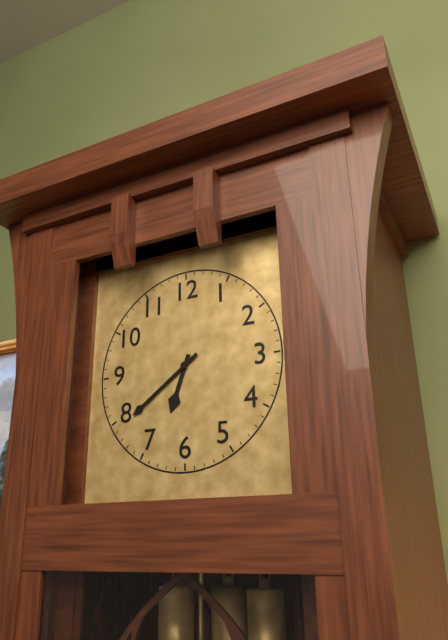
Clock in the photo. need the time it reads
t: 6:39
